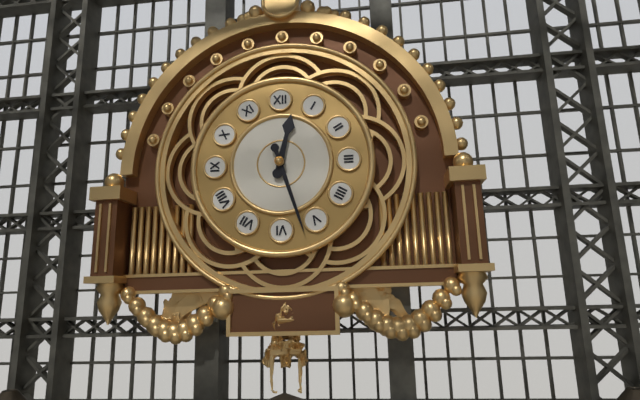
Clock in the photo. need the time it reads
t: 12:27
